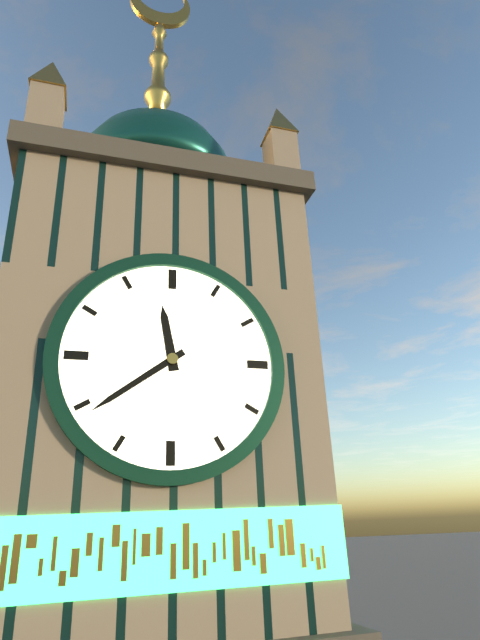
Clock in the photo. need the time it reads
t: 11:39
